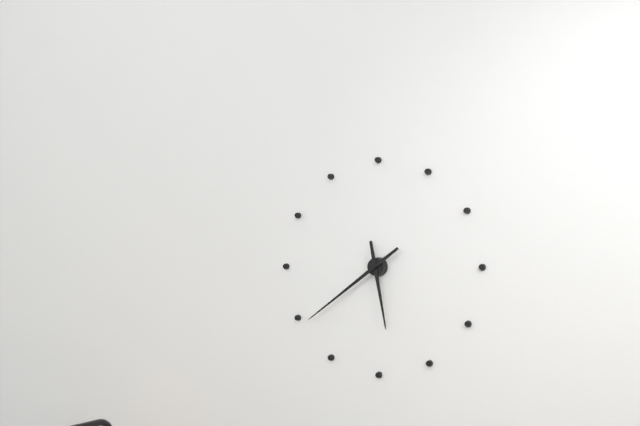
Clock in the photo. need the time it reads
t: 5:39
